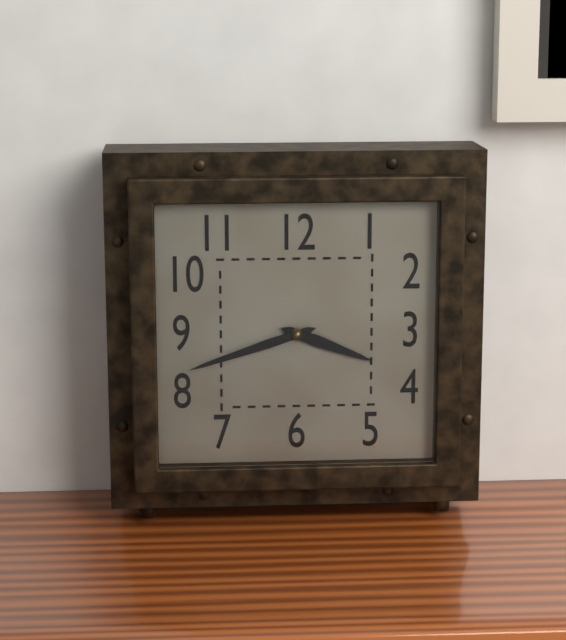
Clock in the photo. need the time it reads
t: 3:42
